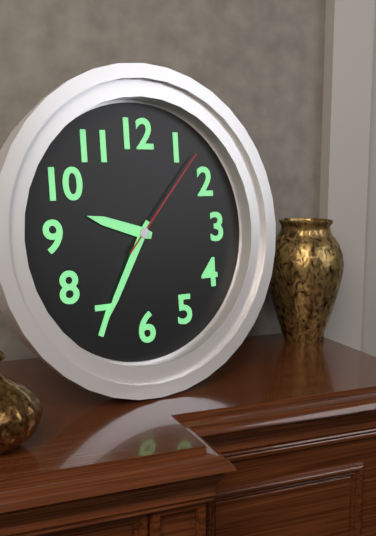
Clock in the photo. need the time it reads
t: 9:35:07
